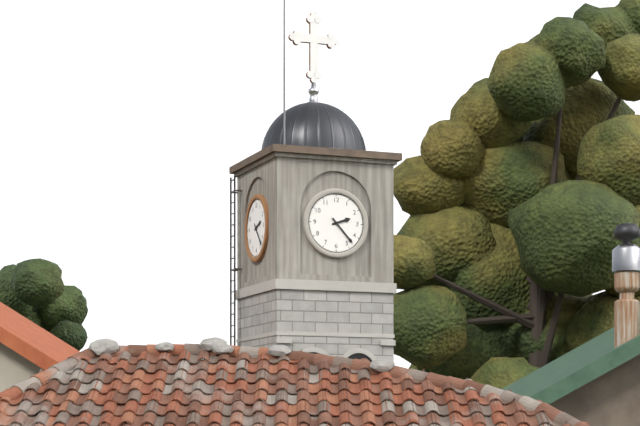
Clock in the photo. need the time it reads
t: 2:23
